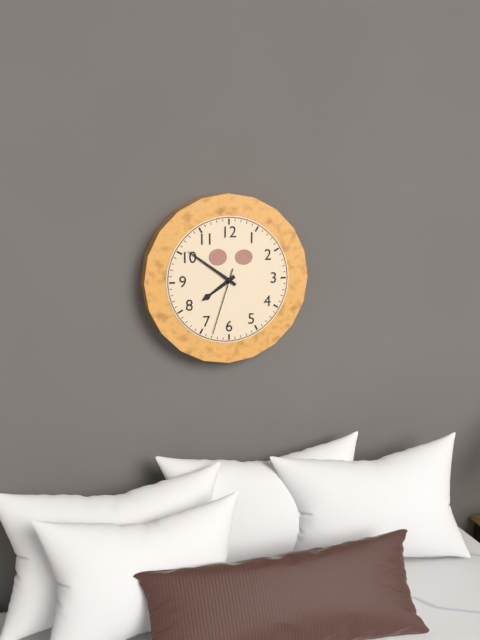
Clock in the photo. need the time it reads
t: 7:51:33
